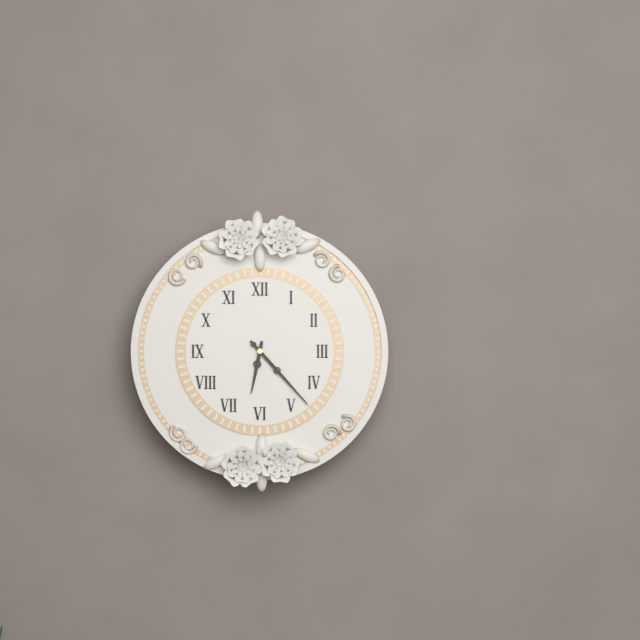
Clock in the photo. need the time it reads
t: 6:23
